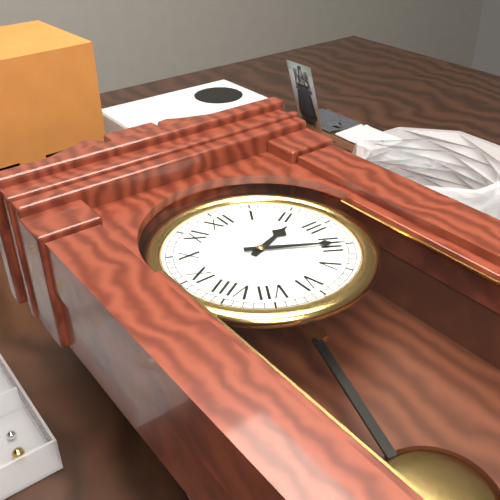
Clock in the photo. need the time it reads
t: 2:20
